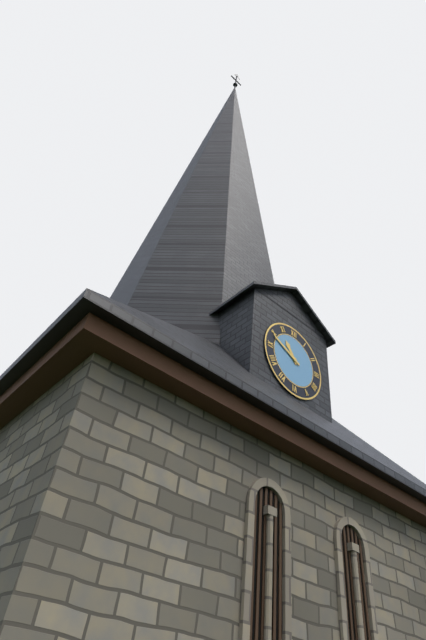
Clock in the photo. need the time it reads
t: 10:49
